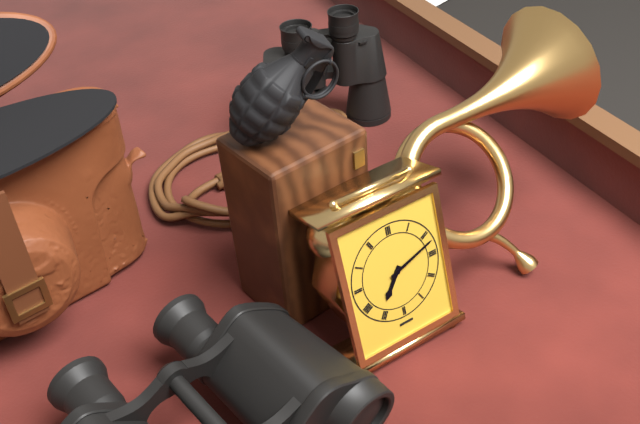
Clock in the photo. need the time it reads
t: 7:12
